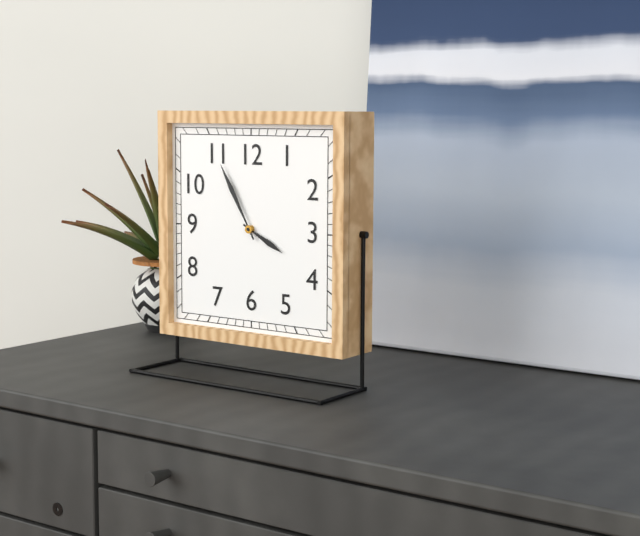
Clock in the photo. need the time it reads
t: 3:55
